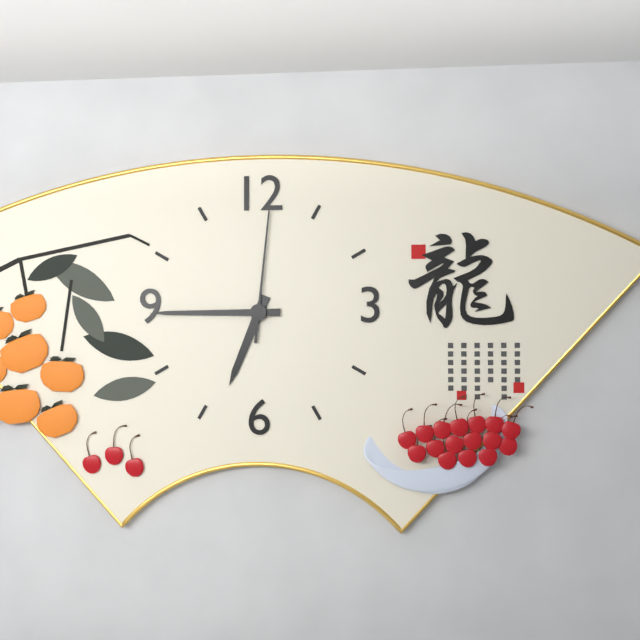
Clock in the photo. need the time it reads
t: 6:45:01
